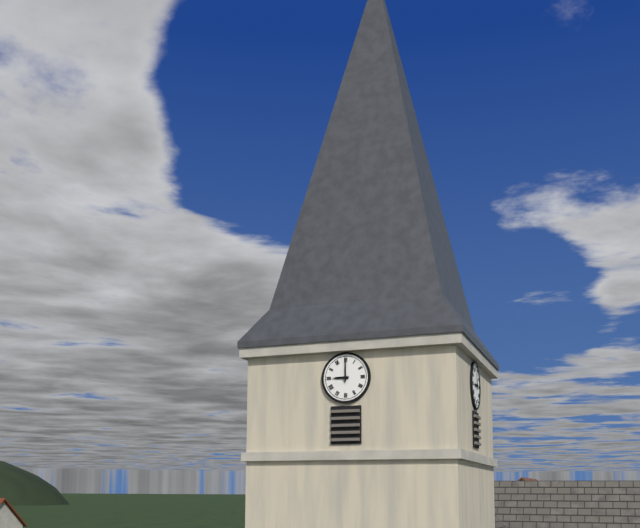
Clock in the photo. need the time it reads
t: 9:00
